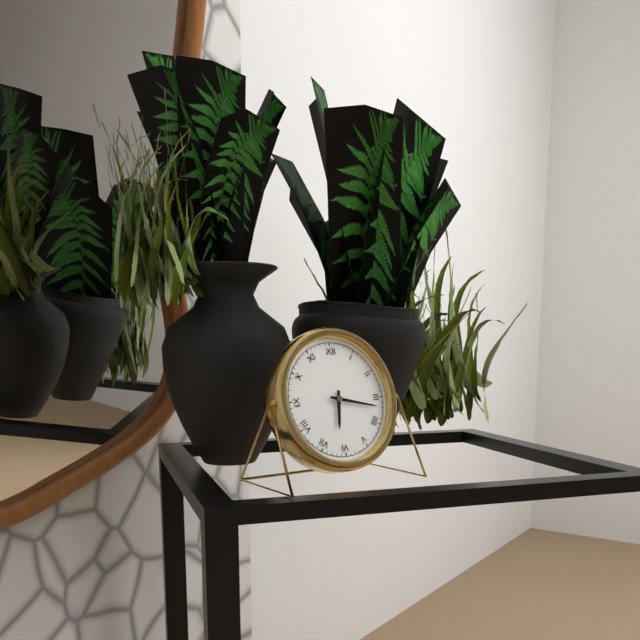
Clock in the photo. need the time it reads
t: 6:17
